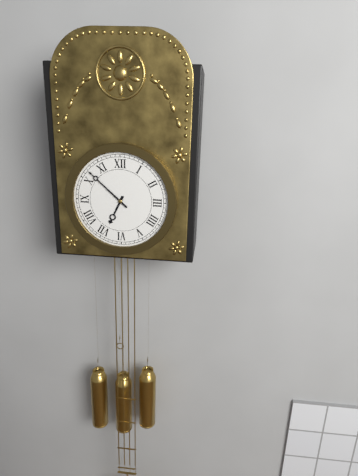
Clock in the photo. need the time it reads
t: 6:52
